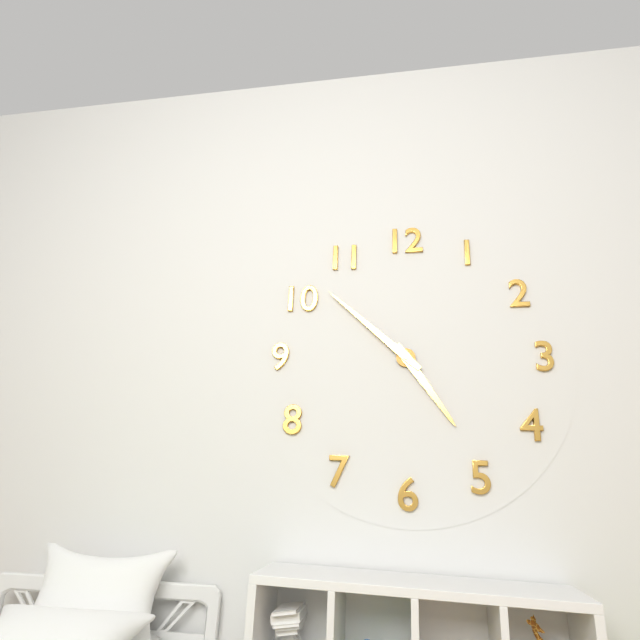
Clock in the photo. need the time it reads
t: 4:52
